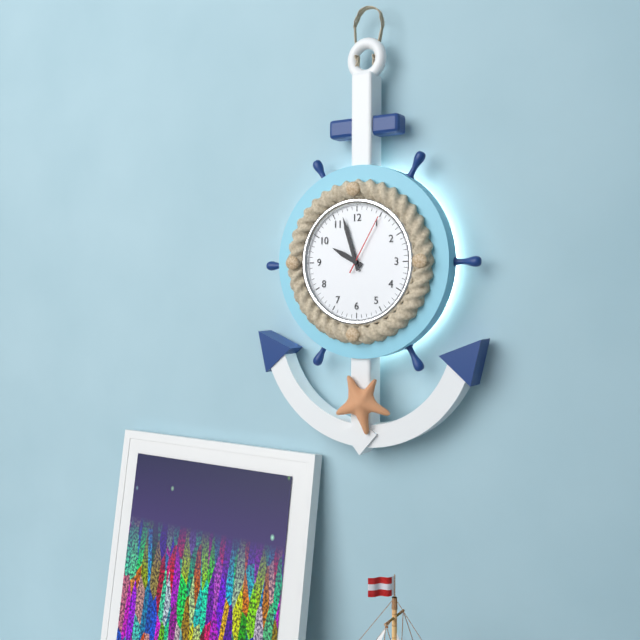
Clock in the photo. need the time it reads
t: 9:57:05
